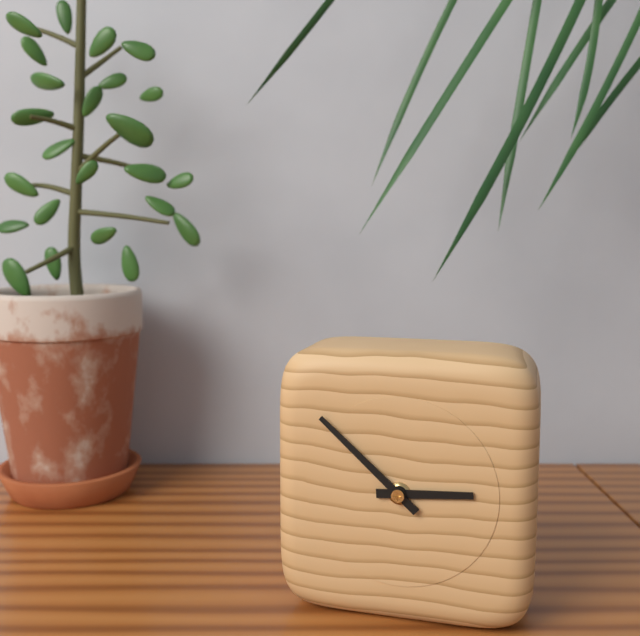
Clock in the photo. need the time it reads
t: 2:52
